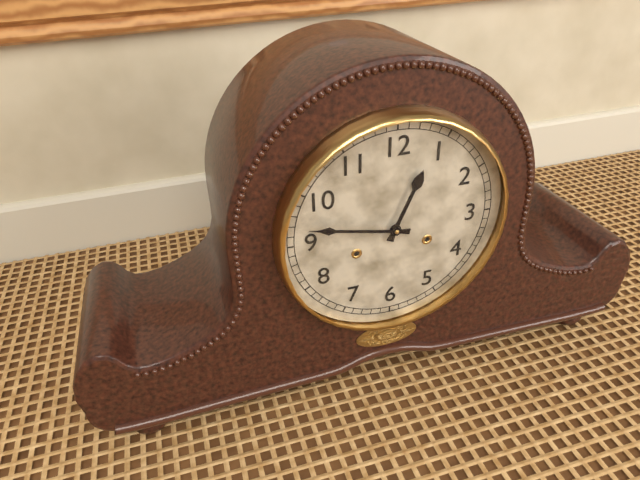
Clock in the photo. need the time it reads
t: 12:47
